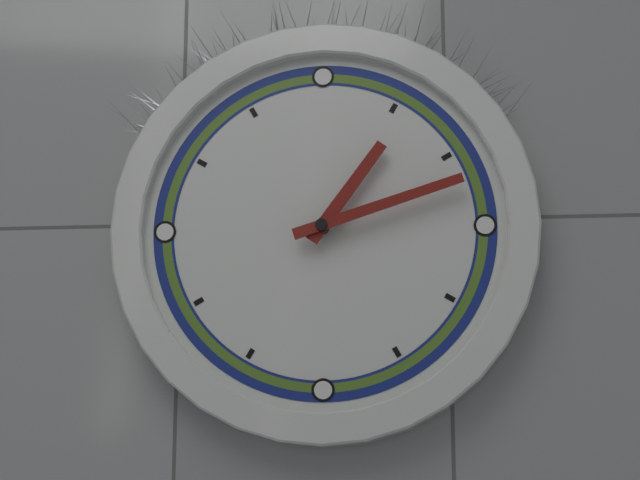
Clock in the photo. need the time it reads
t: 1:12
